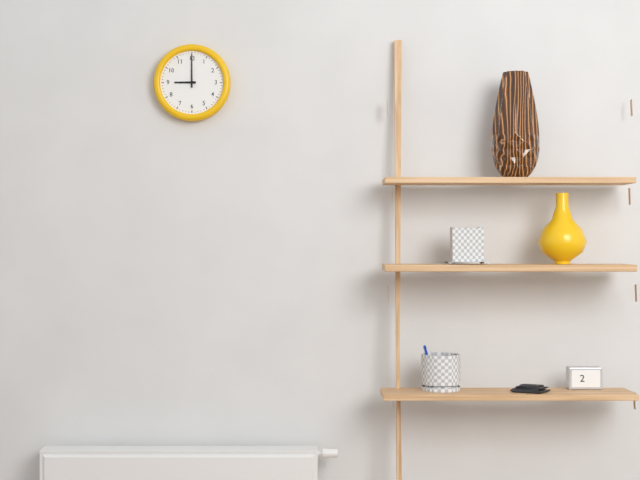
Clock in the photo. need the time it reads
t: 9:00
